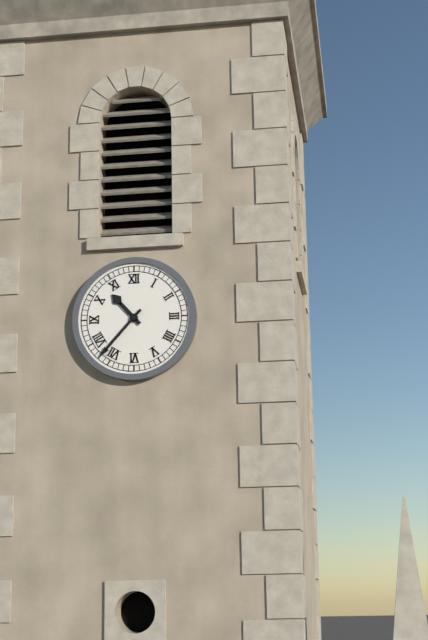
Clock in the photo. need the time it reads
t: 10:37
